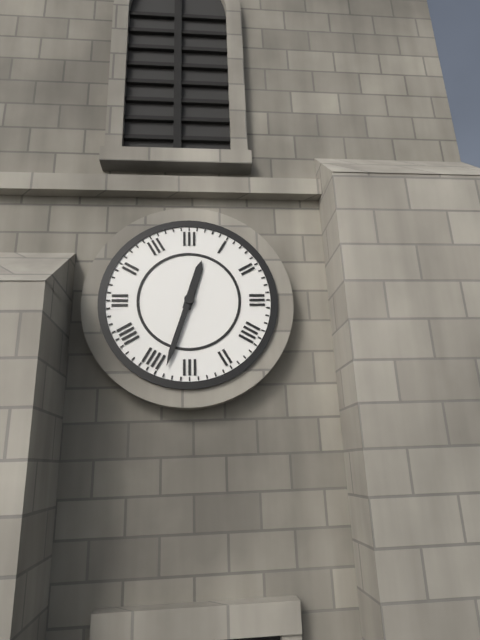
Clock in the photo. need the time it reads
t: 12:33
